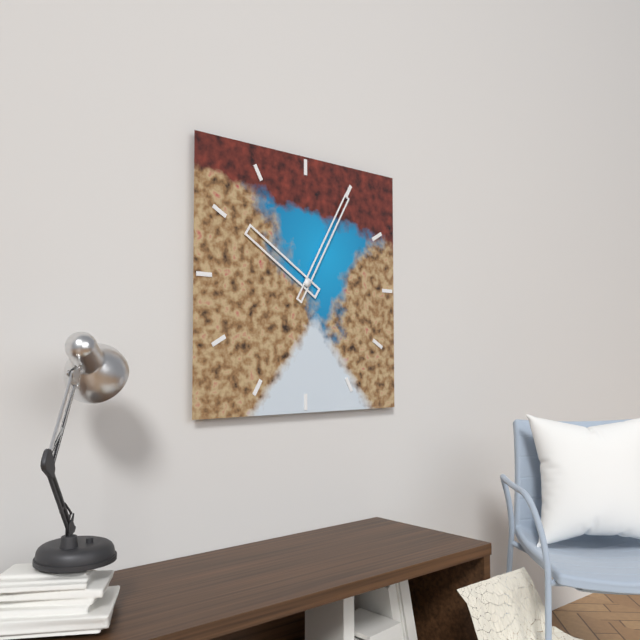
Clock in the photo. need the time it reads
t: 10:05
